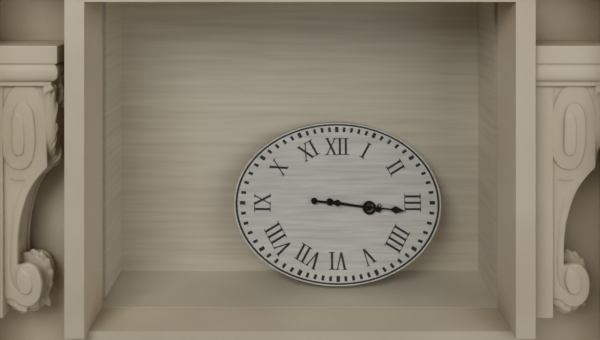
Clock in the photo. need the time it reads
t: 3:16
